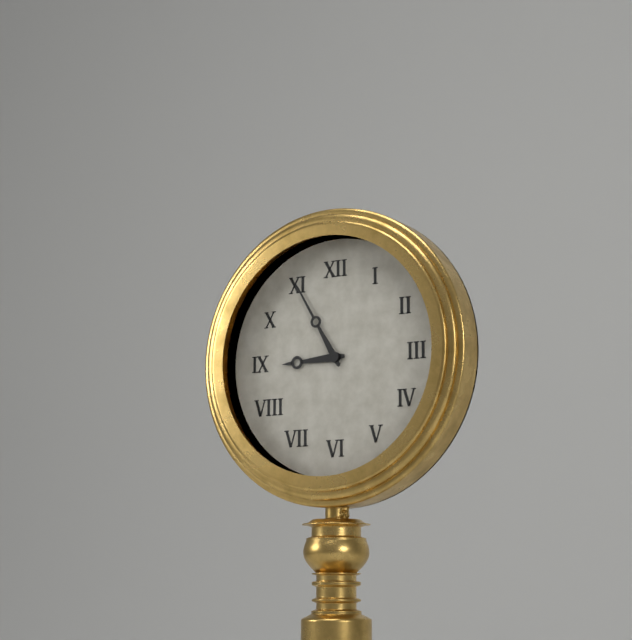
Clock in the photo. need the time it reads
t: 8:55
